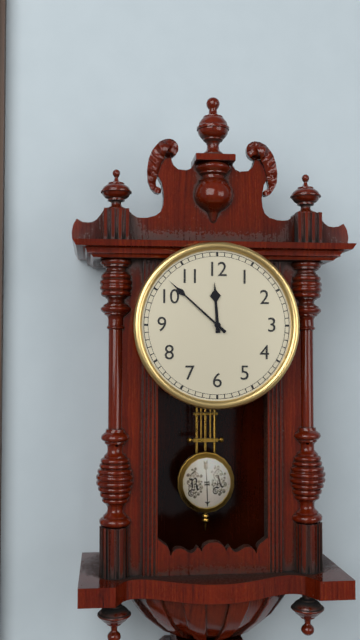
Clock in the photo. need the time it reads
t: 11:52
